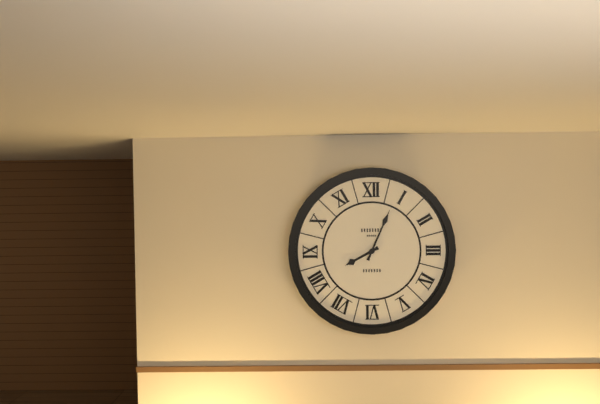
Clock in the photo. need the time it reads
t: 8:04
